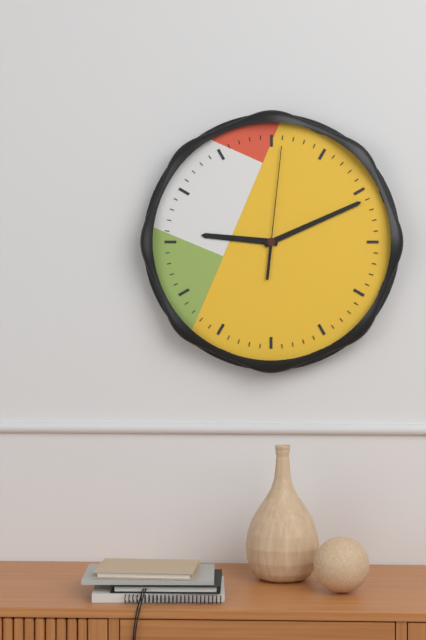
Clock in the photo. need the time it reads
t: 9:11:01
